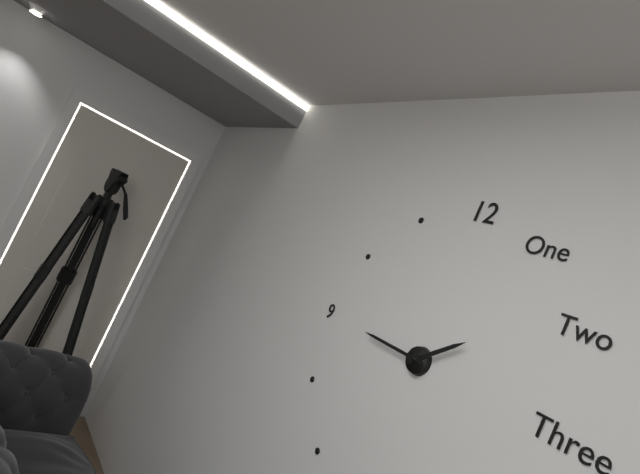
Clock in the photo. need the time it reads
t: 1:45
